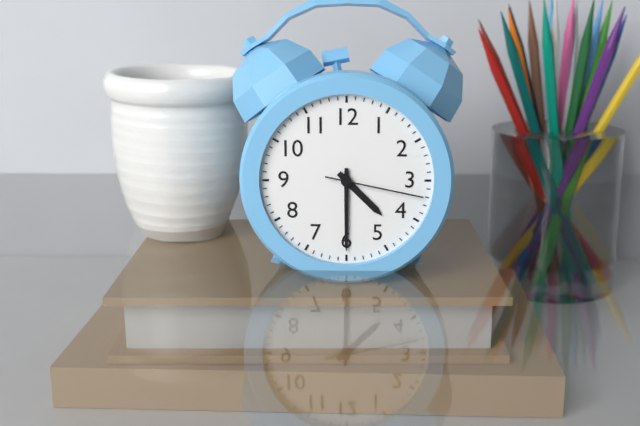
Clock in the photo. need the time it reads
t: 4:30:17
